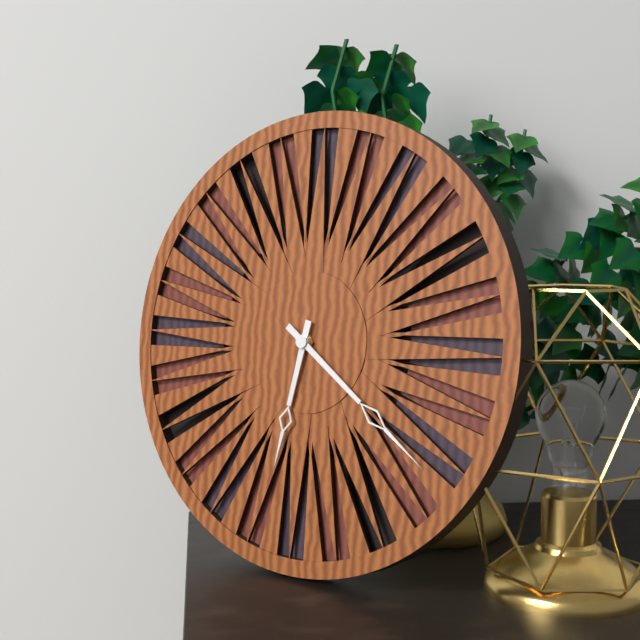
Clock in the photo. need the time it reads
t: 6:21
